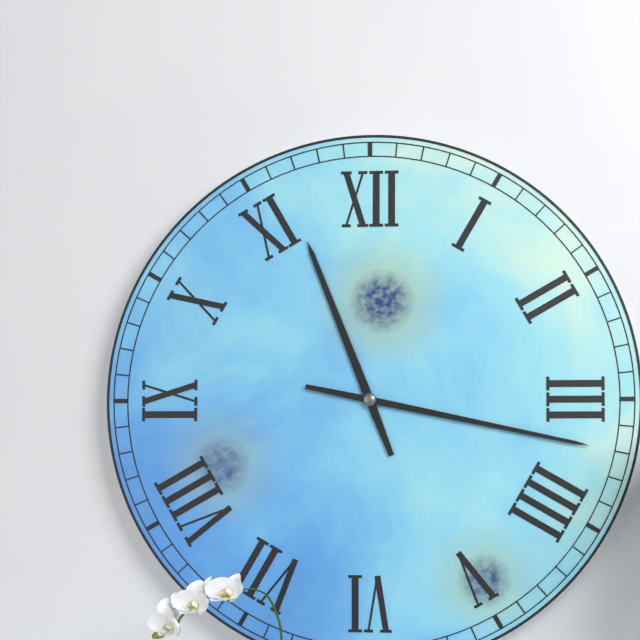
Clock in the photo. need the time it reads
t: 11:17
